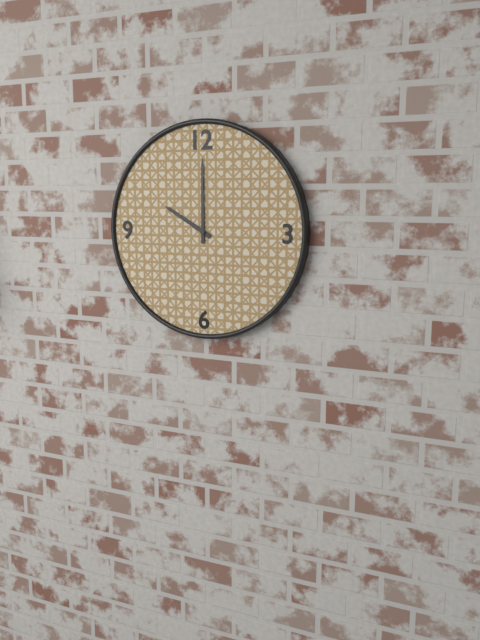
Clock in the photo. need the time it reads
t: 10:00
